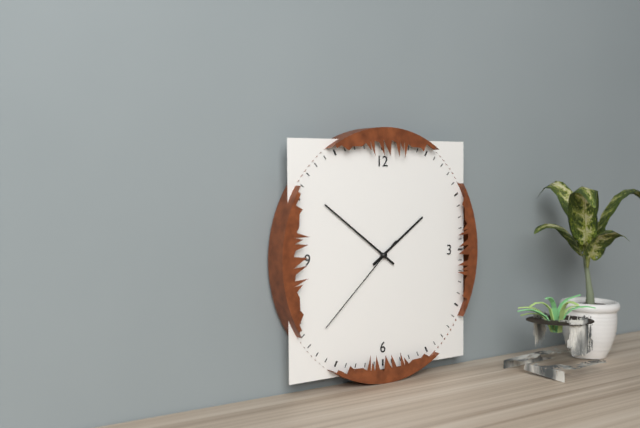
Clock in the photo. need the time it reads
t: 1:51:38
